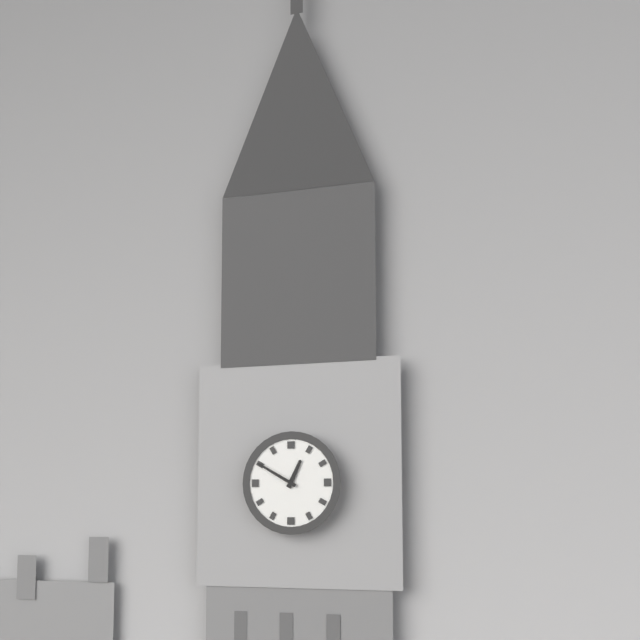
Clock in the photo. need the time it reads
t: 12:50
